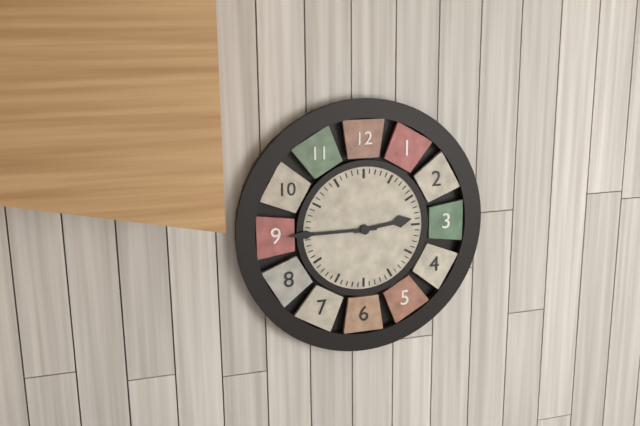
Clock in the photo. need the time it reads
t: 2:45
